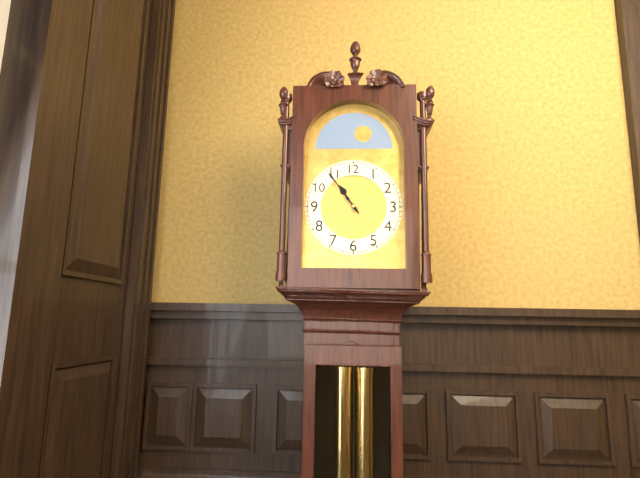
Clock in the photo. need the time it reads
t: 10:54
